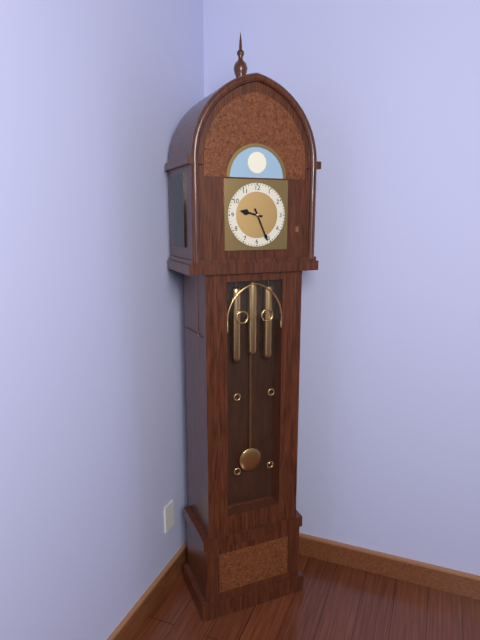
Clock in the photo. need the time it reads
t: 9:26
